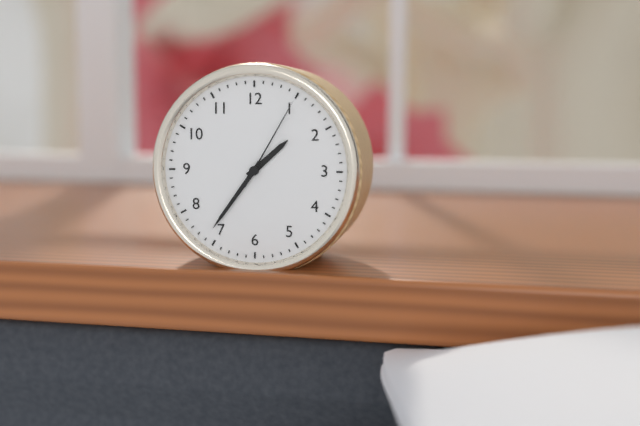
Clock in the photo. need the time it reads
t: 1:36:05
